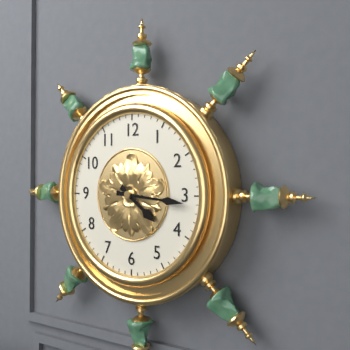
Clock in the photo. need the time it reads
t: 4:16
